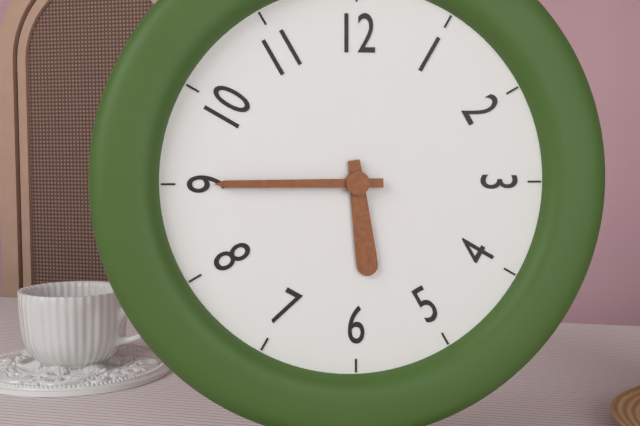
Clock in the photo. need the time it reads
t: 5:45
